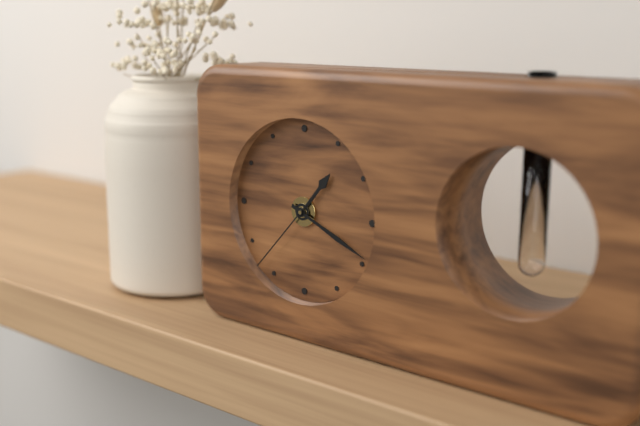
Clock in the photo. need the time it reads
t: 1:19:37
